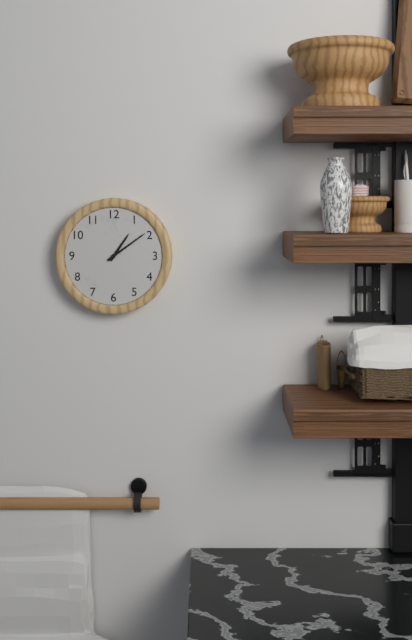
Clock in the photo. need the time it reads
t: 1:09
